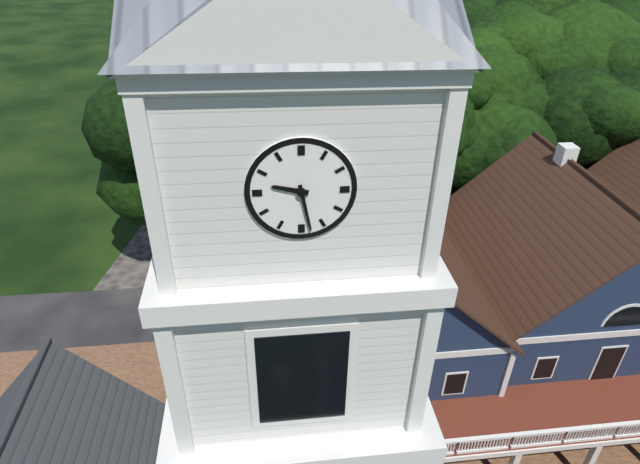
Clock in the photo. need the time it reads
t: 9:28
